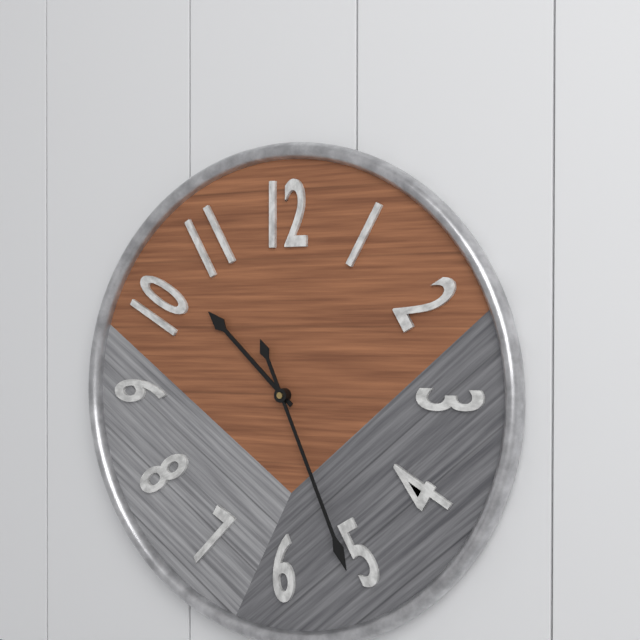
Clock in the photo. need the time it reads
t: 10:26
